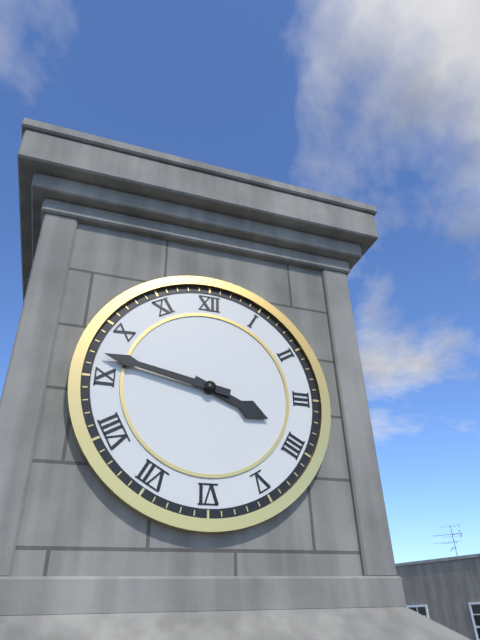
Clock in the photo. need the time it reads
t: 3:47
